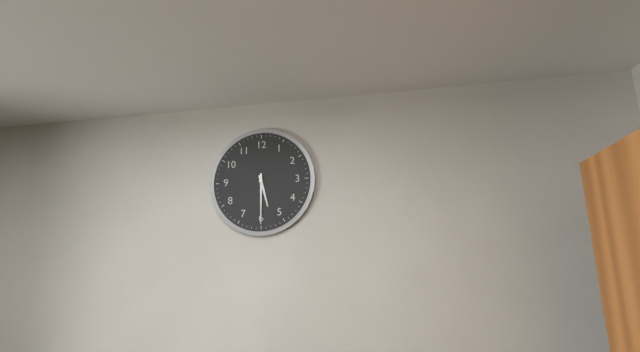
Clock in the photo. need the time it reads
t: 5:30
